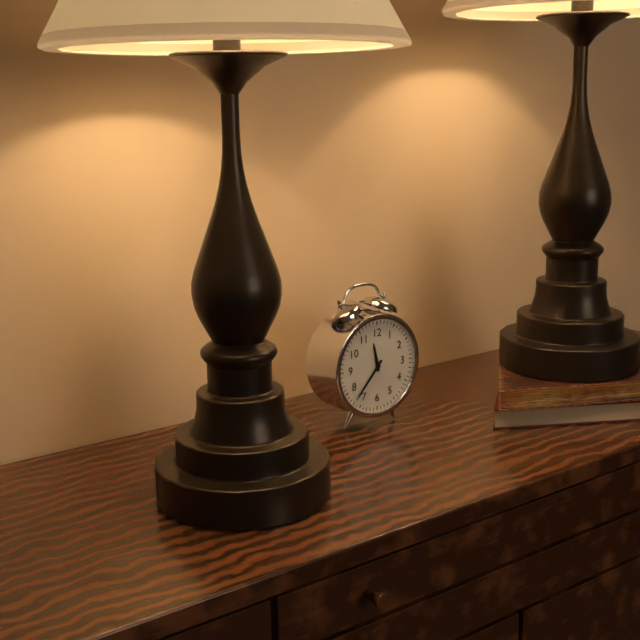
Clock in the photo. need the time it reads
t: 11:37
